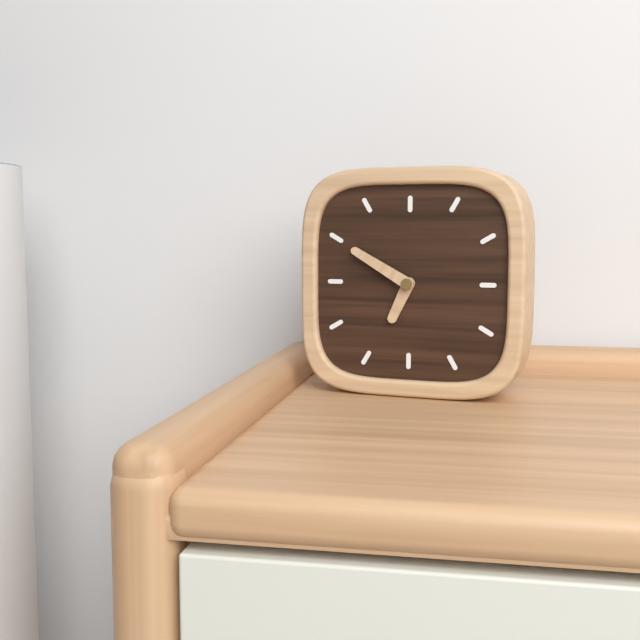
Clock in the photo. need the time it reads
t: 6:50
